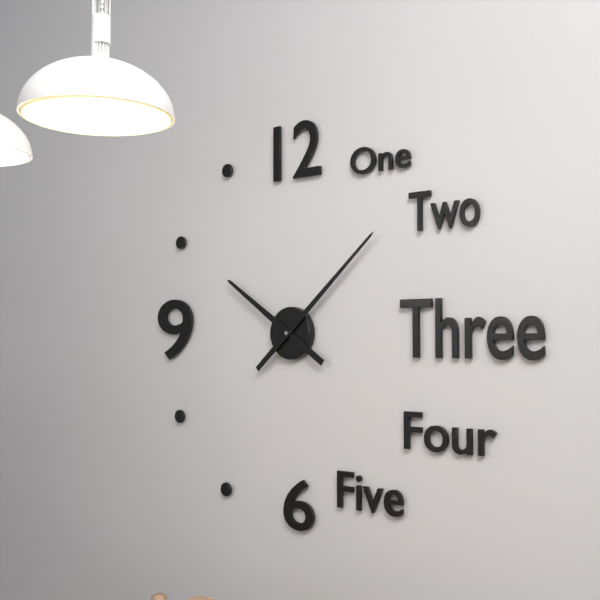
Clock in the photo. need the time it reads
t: 10:08
